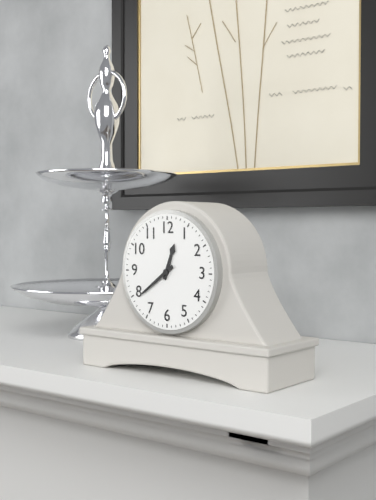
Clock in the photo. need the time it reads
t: 12:39
